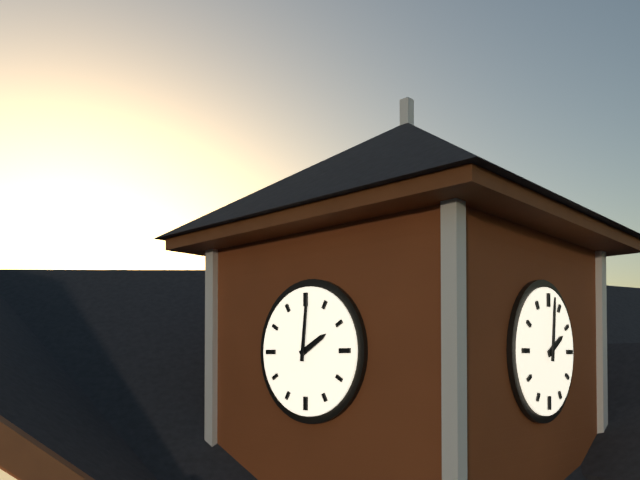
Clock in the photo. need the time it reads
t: 2:01
